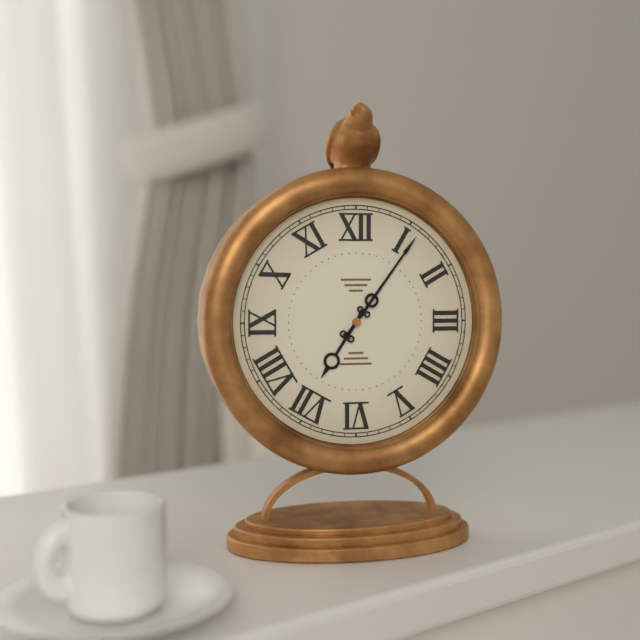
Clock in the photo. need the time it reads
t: 7:06
